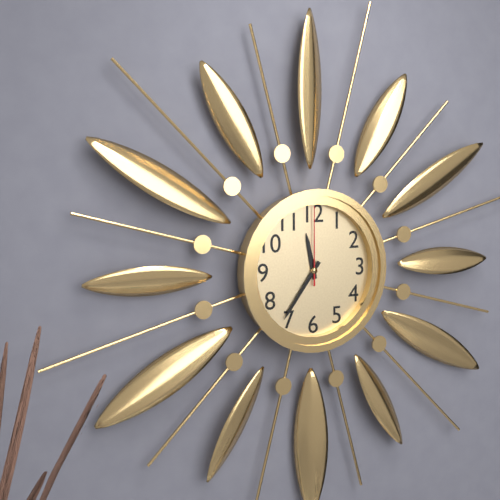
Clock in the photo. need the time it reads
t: 11:36:00
